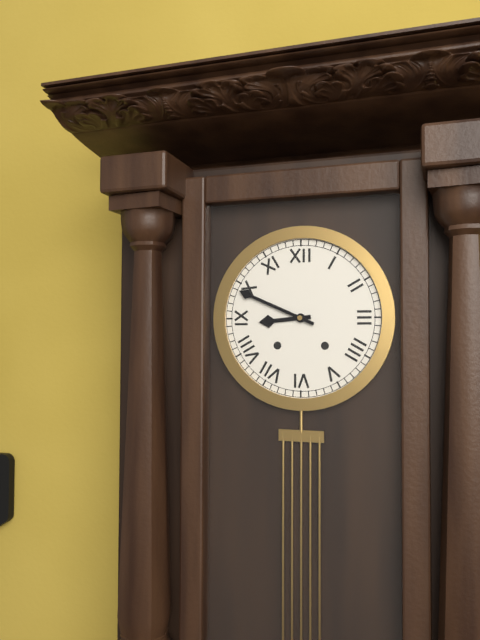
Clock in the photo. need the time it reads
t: 8:49
